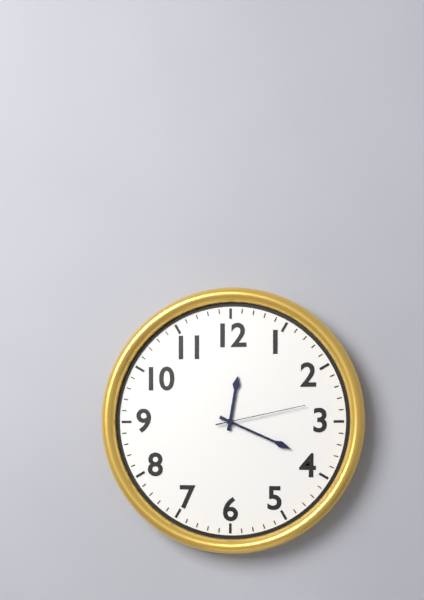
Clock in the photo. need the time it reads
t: 12:19:13
